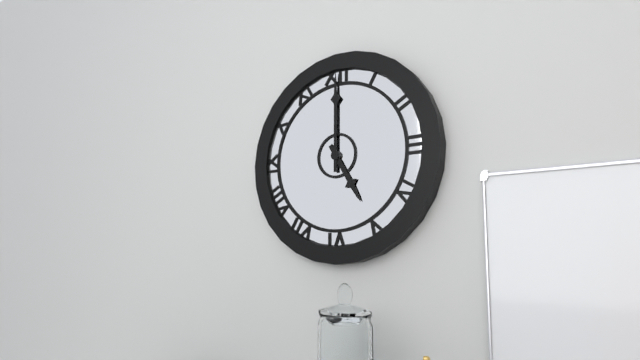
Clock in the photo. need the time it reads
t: 5:00
